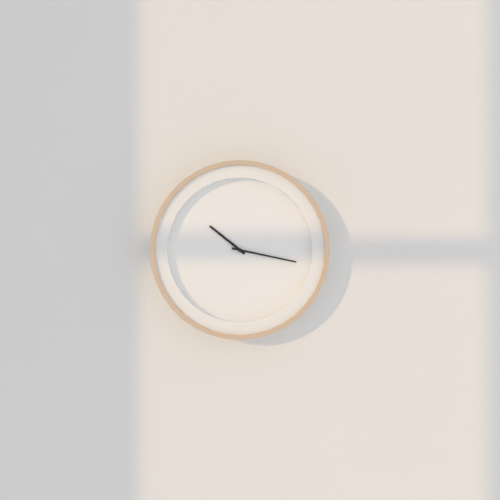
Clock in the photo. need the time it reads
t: 10:17
